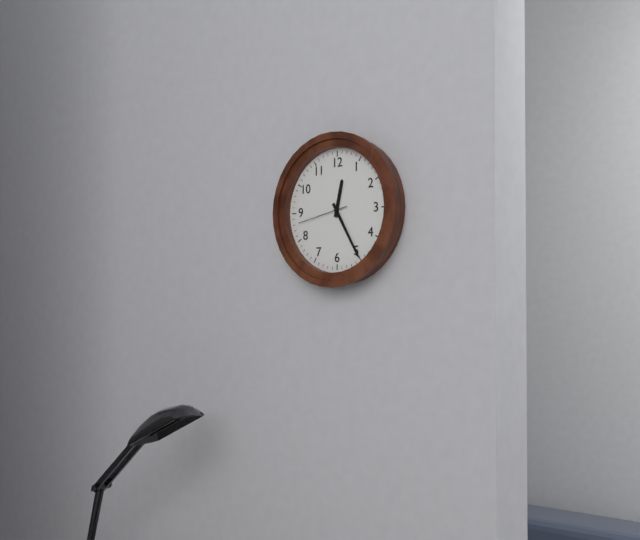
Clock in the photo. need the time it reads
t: 12:25
